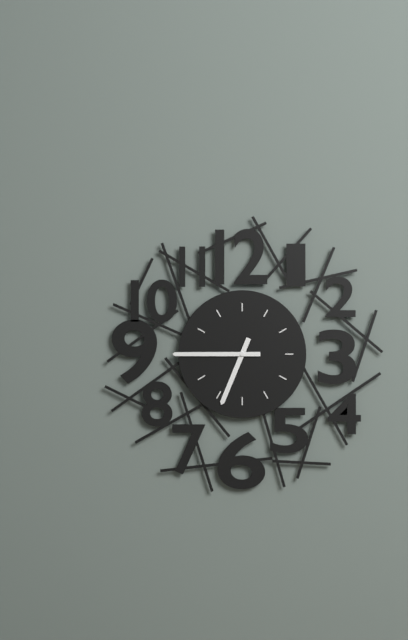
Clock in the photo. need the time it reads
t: 6:45
